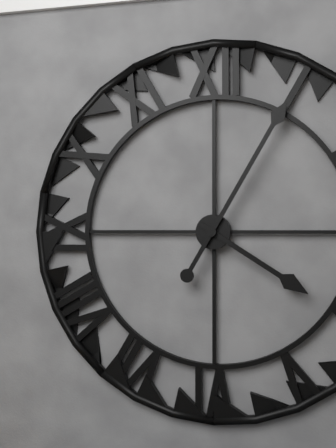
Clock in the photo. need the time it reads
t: 4:05
